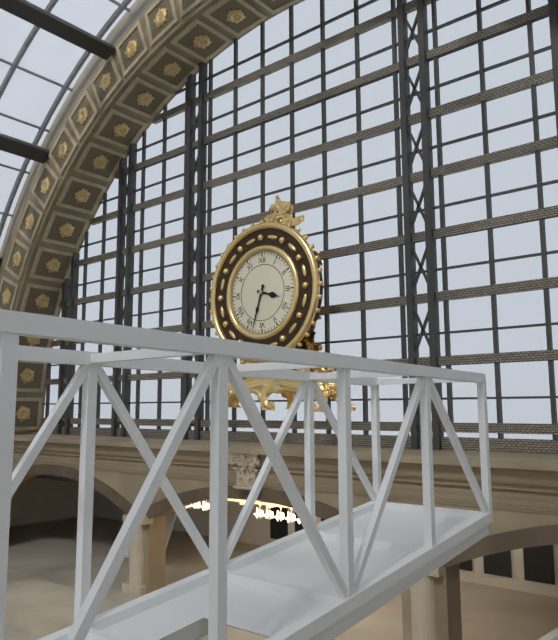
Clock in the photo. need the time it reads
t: 3:33
